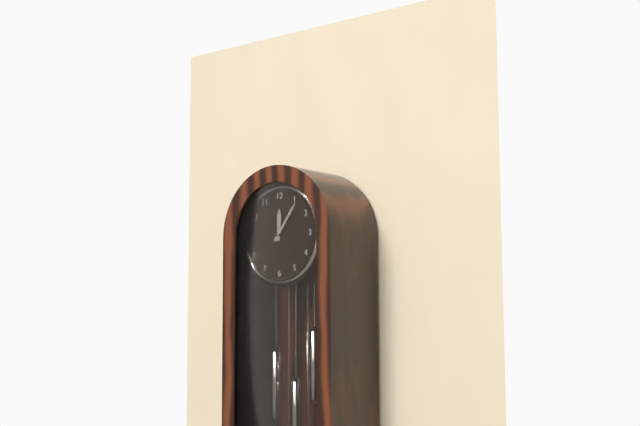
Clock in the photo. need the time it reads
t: 12:06
